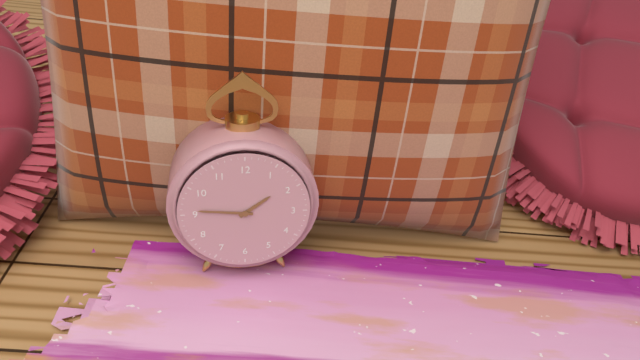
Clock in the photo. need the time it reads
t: 1:46
